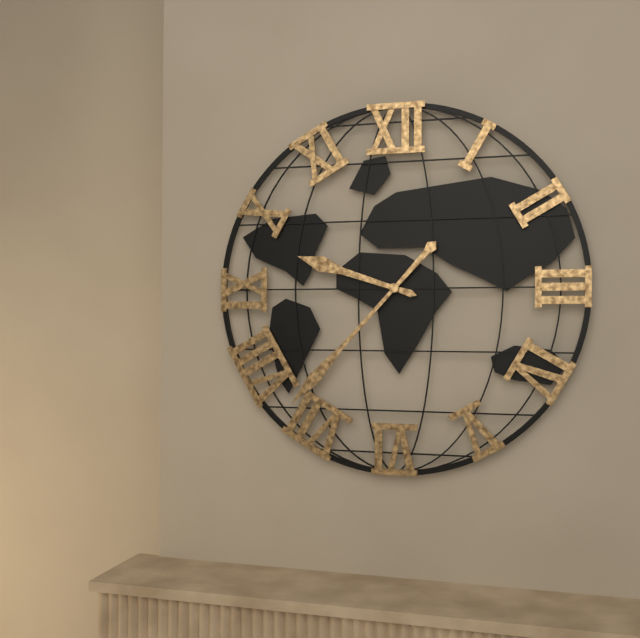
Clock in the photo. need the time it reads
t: 9:37
